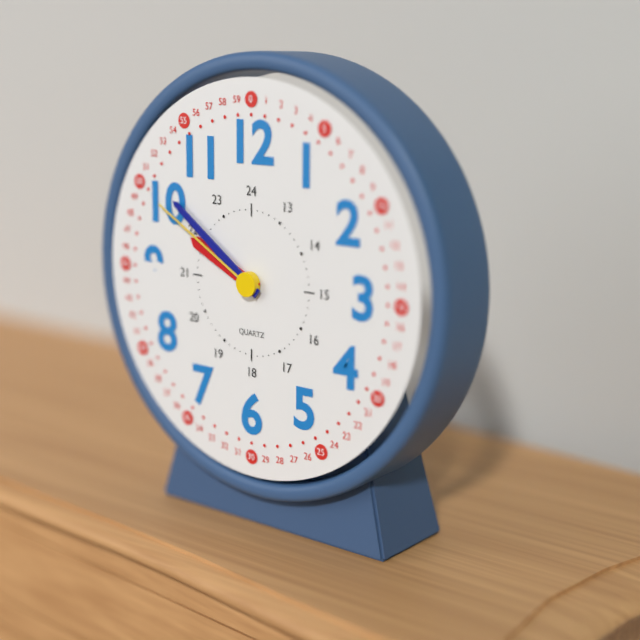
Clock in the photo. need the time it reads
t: 9:51:50
